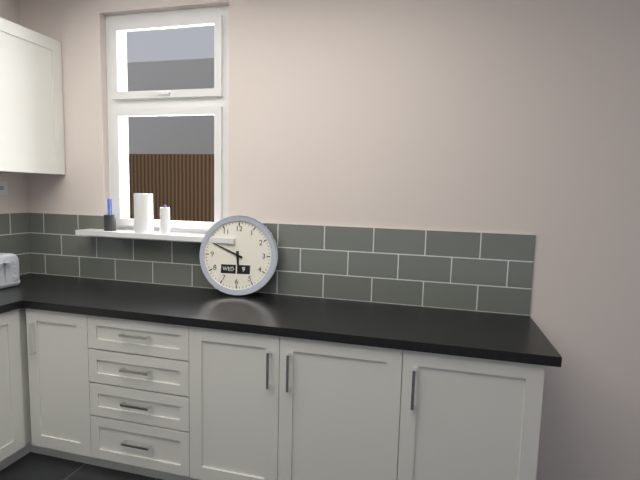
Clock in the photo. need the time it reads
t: 5:49
